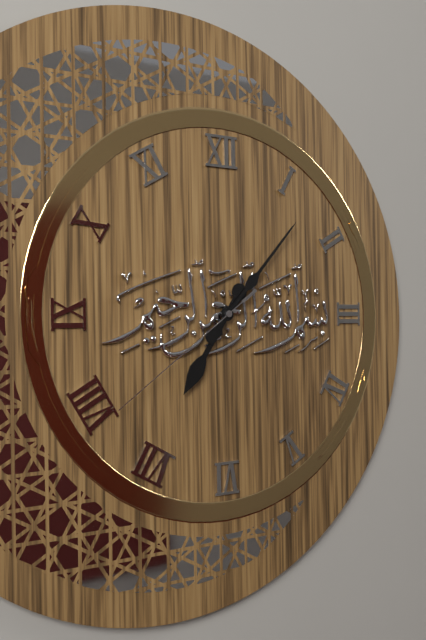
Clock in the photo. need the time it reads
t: 7:07:39
